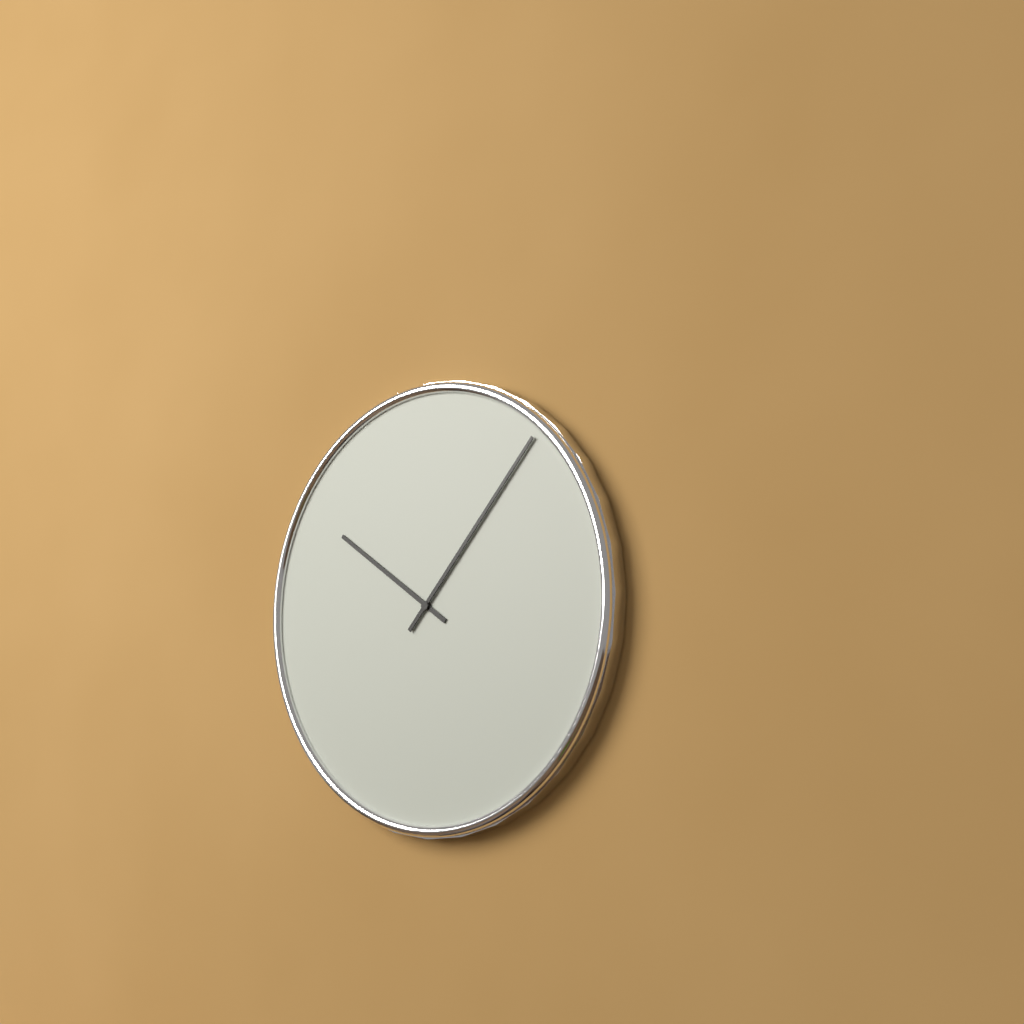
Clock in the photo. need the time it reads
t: 10:07
